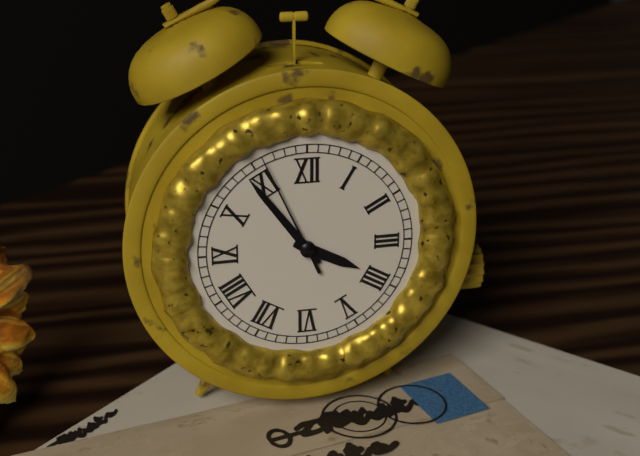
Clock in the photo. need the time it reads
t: 3:54:56
